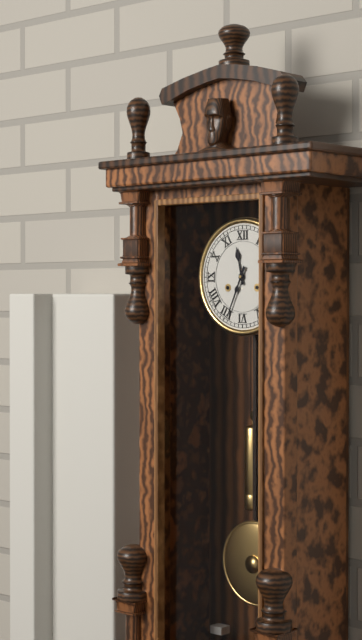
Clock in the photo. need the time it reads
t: 11:34
